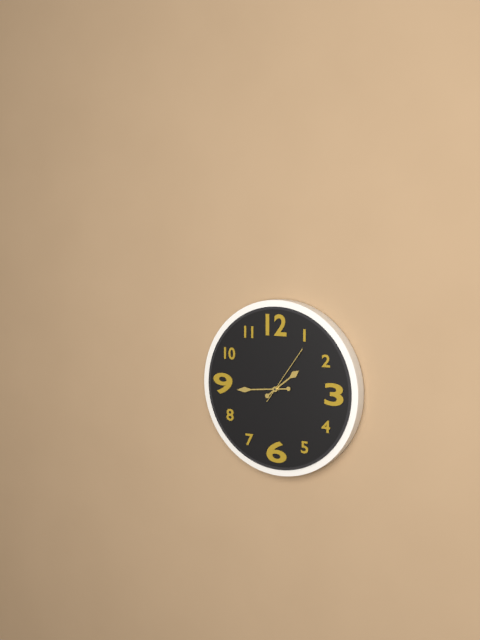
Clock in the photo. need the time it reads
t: 1:44:06
